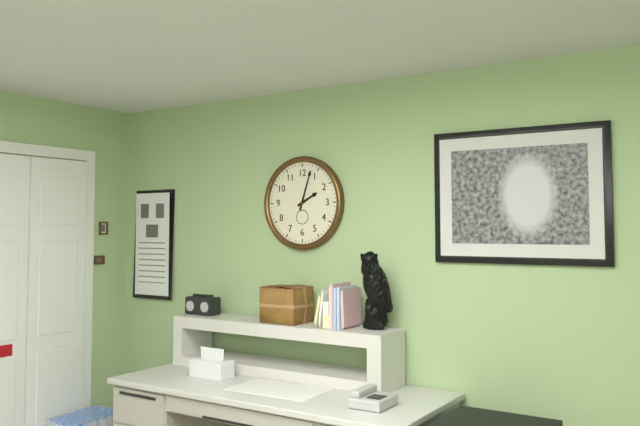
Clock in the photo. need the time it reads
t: 2:03
